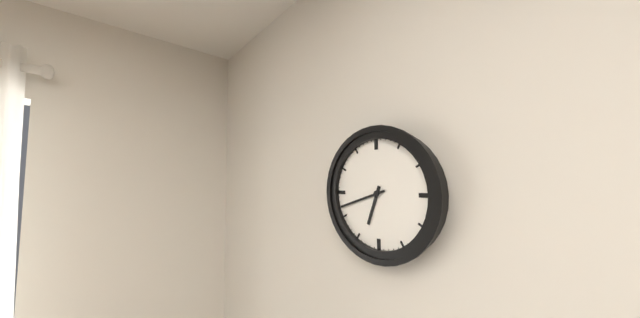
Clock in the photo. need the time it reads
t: 6:42
